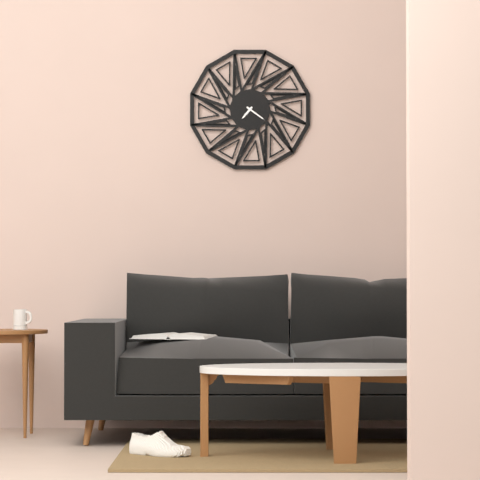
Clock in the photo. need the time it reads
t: 7:21
